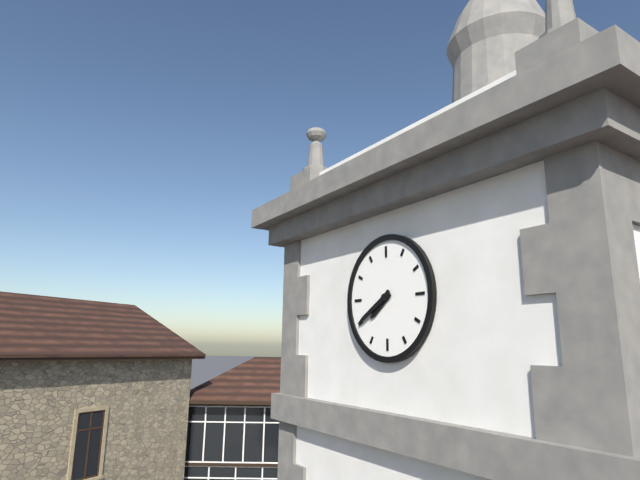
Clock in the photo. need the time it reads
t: 7:40
